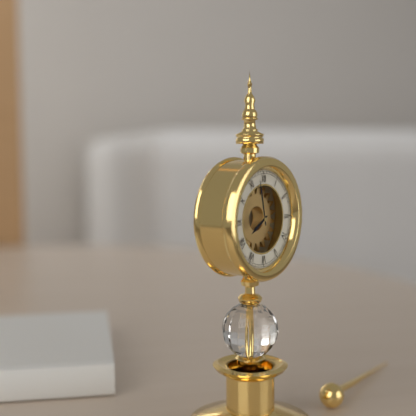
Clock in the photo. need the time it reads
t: 7:58
